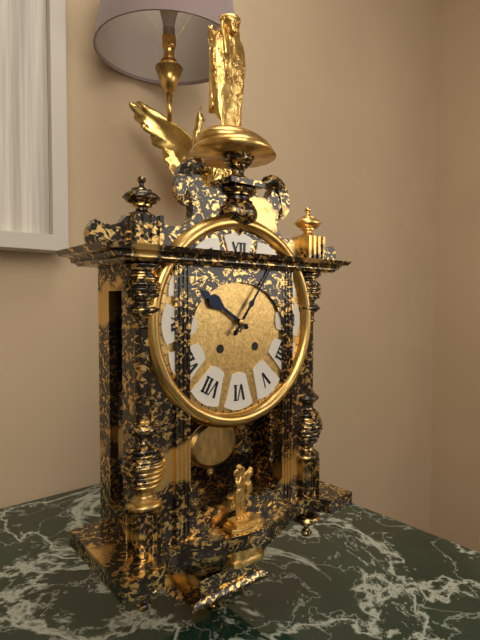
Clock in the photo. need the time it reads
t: 10:06
